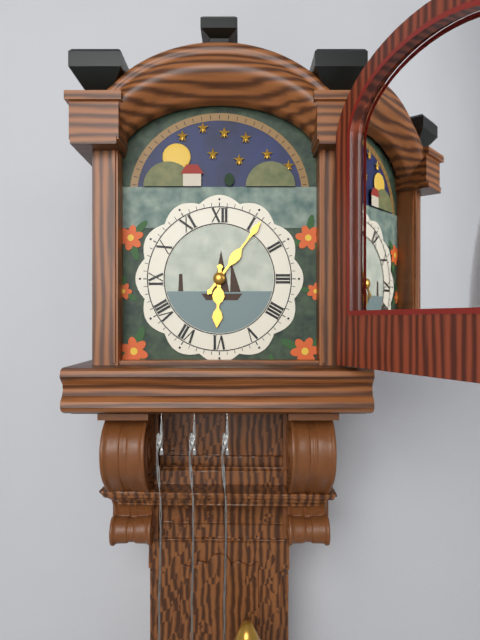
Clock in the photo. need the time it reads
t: 6:06
